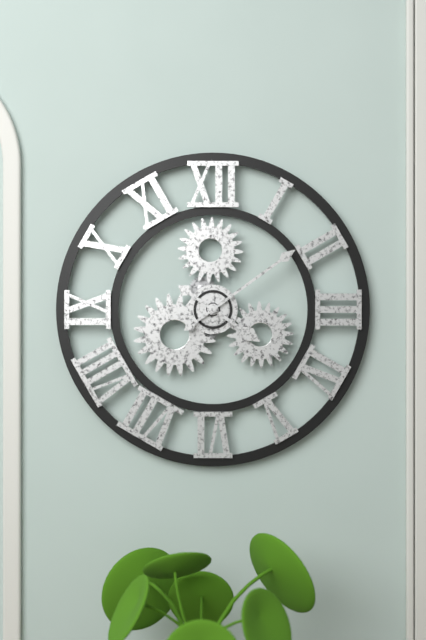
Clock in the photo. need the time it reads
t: 4:09
